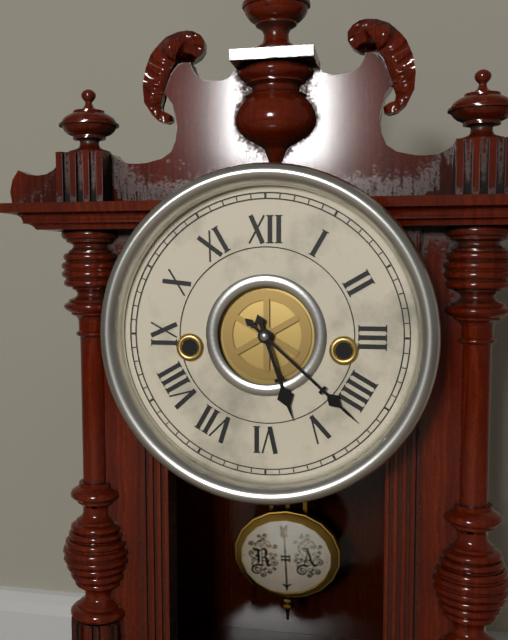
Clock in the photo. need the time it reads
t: 5:22
